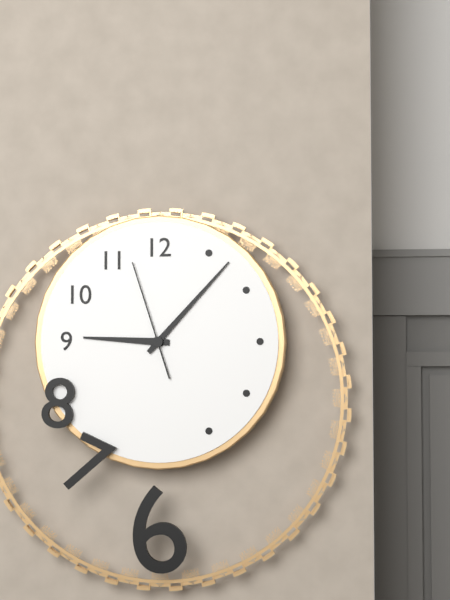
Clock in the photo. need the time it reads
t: 9:07:57
